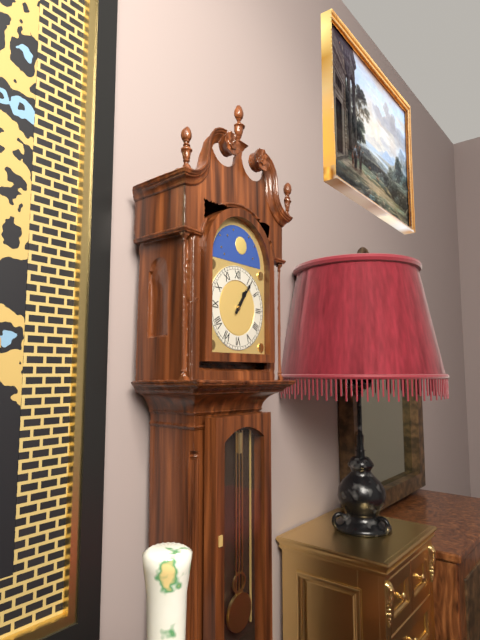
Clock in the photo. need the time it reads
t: 1:06
